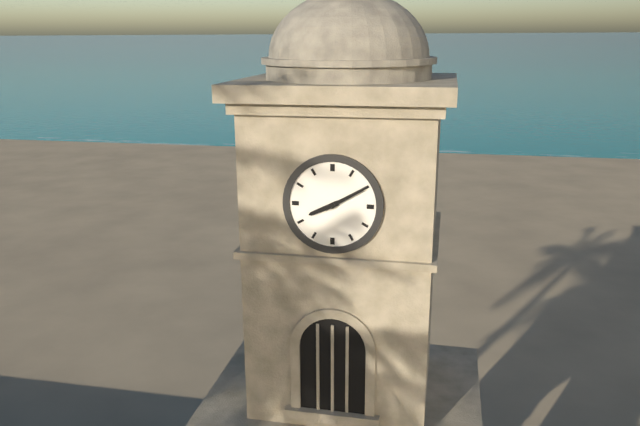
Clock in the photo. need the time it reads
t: 8:10
